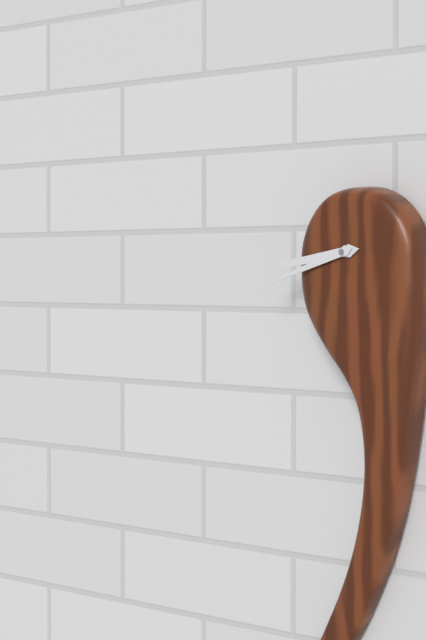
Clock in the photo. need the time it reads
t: 8:42
